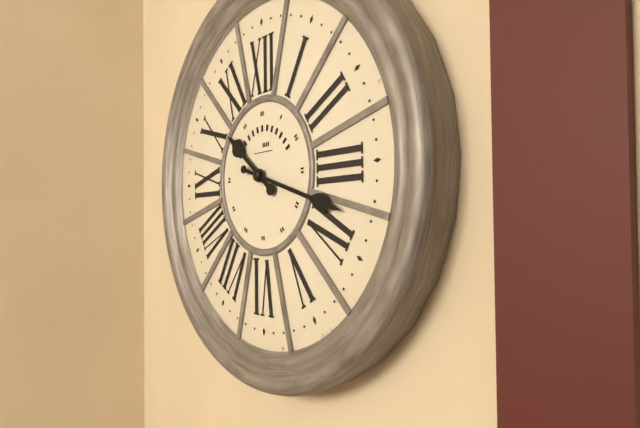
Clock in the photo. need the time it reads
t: 10:18
